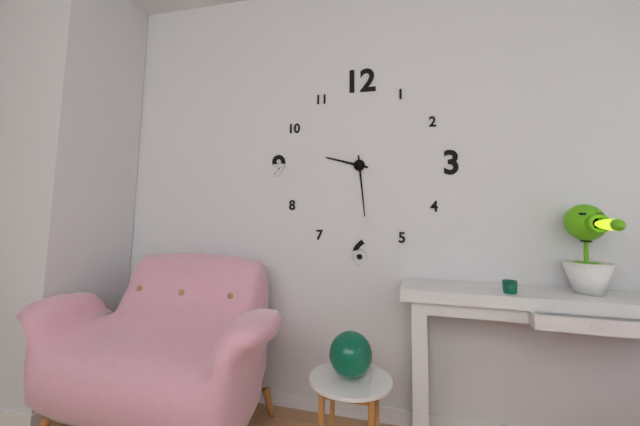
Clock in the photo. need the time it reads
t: 9:29
